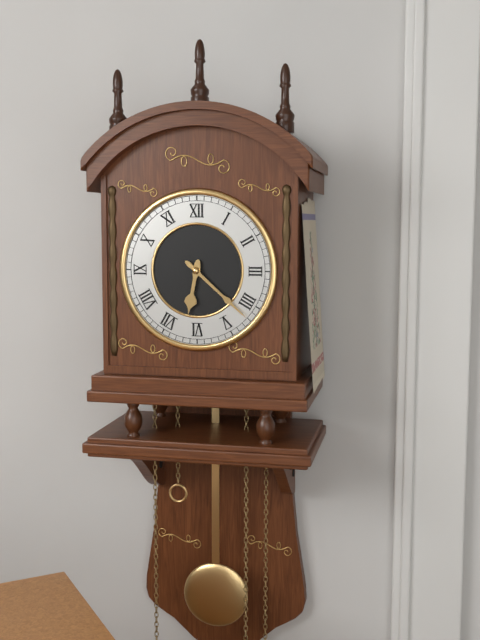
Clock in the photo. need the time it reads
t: 6:22
